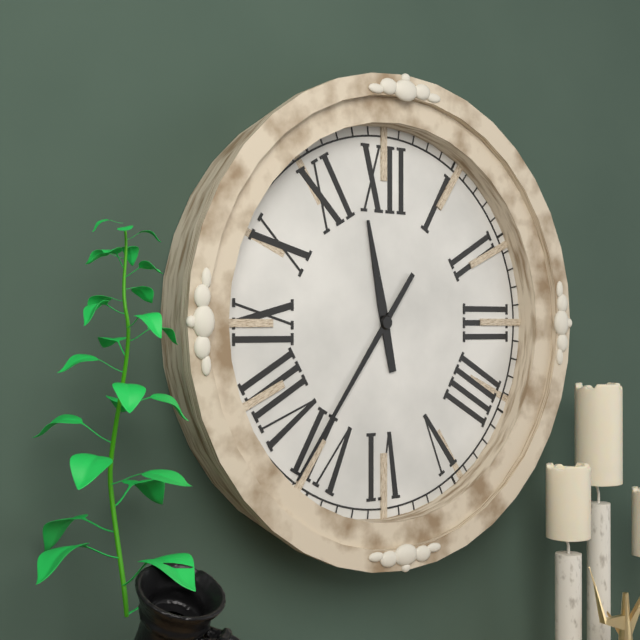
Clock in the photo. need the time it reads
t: 11:36
